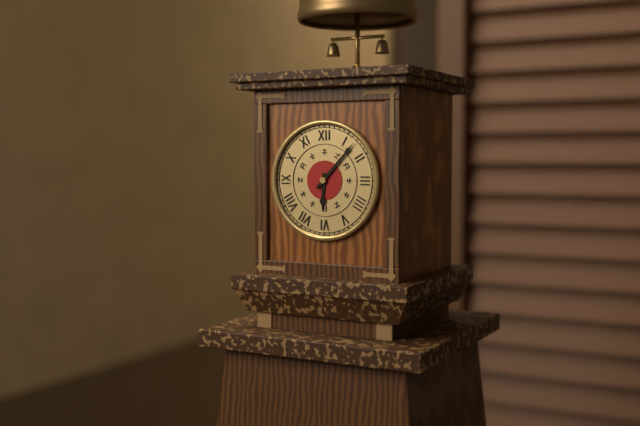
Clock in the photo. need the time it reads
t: 6:07
